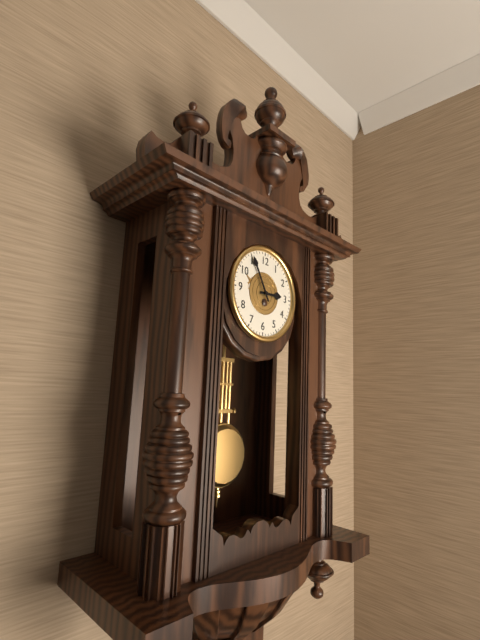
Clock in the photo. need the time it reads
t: 2:55
